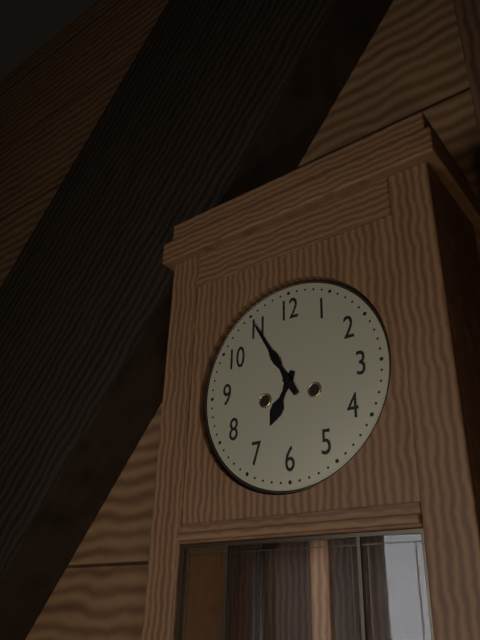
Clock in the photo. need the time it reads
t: 6:55
